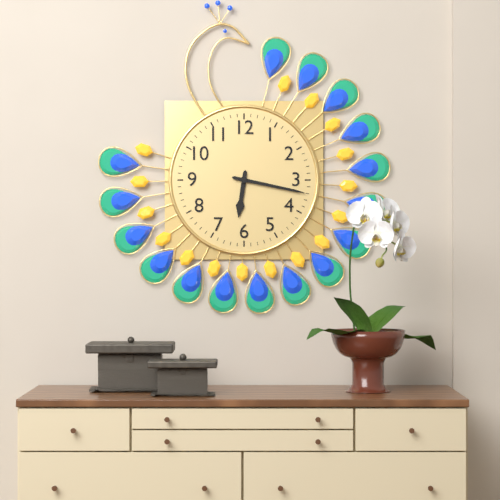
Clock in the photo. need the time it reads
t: 6:17
